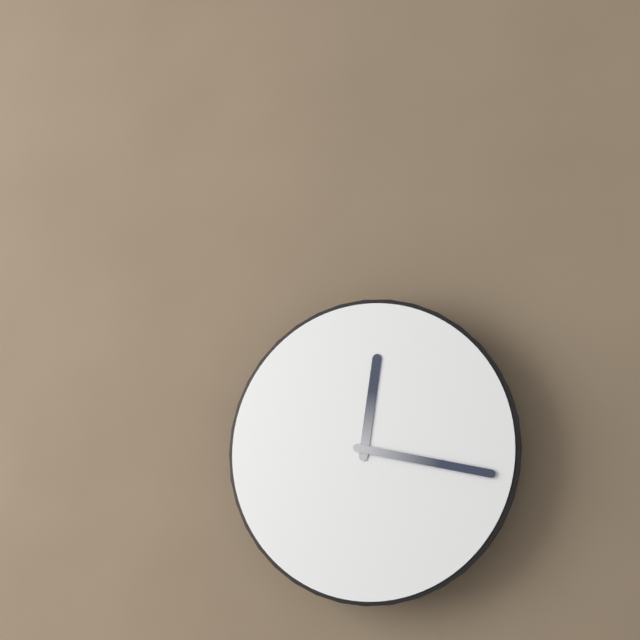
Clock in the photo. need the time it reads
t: 12:17
